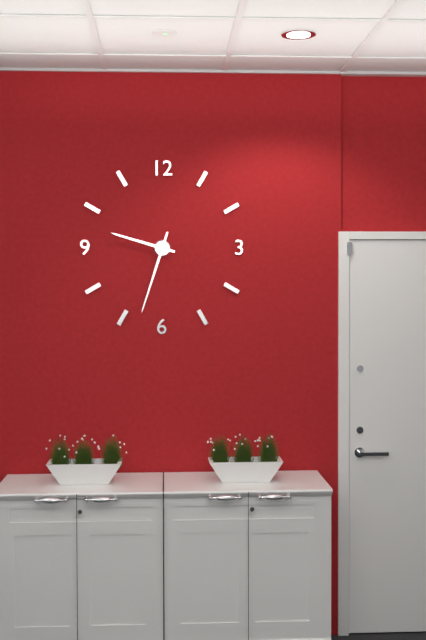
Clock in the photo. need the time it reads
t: 9:33
